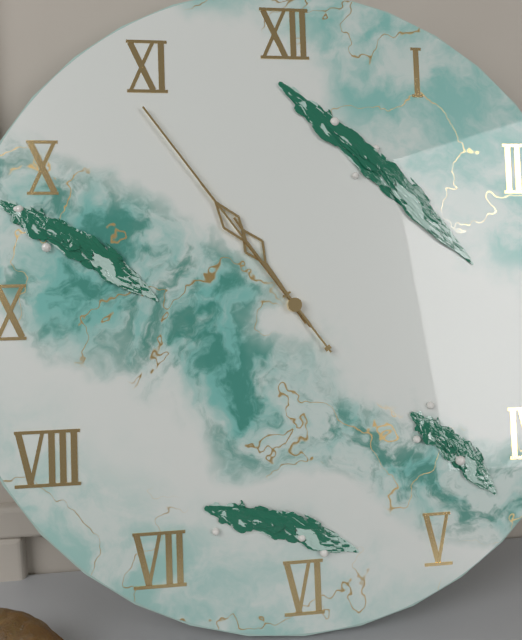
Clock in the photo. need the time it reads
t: 10:54:54
